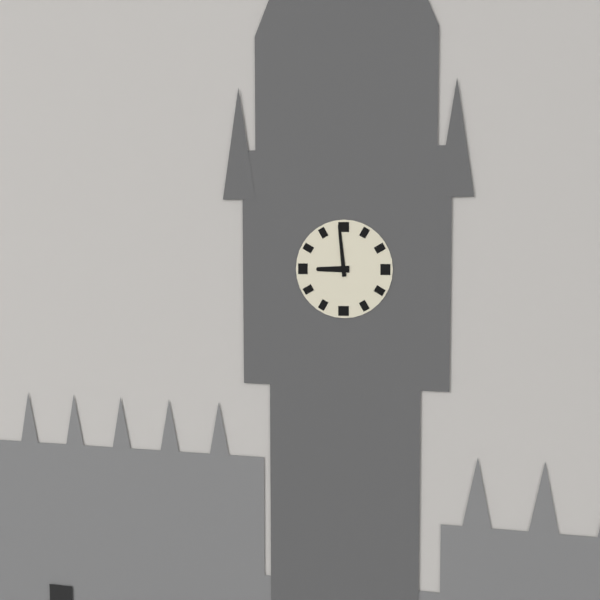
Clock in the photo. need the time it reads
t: 8:59
